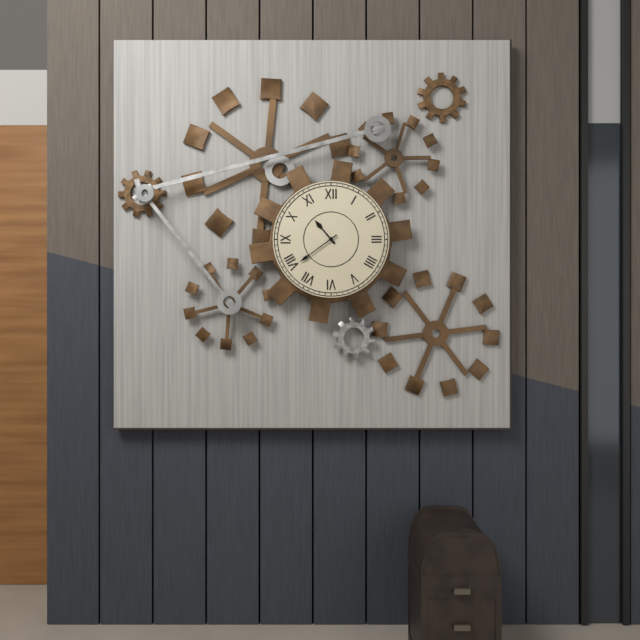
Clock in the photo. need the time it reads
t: 10:39
